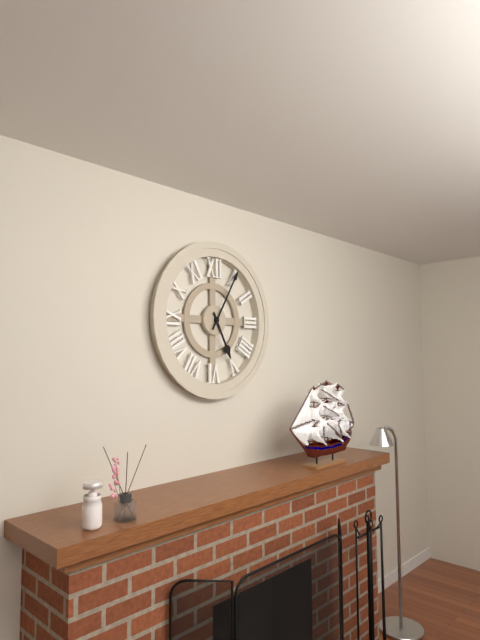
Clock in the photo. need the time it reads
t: 5:05
